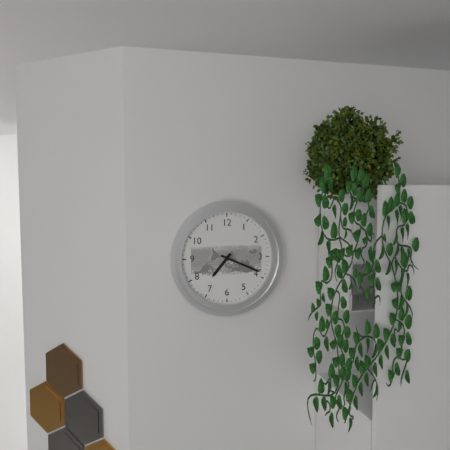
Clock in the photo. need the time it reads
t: 7:19
